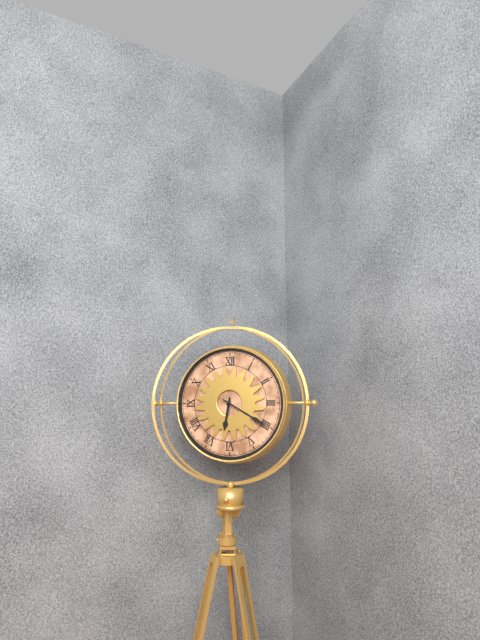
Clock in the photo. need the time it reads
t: 6:20
